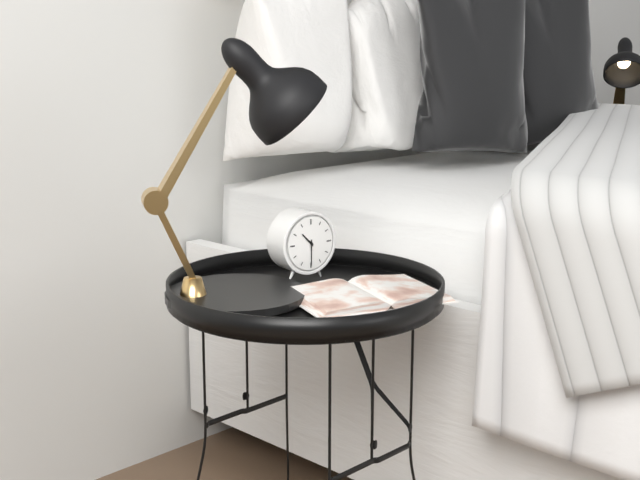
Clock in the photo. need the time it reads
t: 10:30
